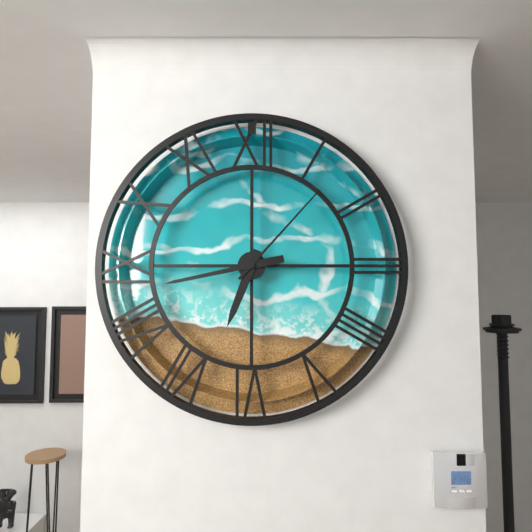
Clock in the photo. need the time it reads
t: 6:43:07
